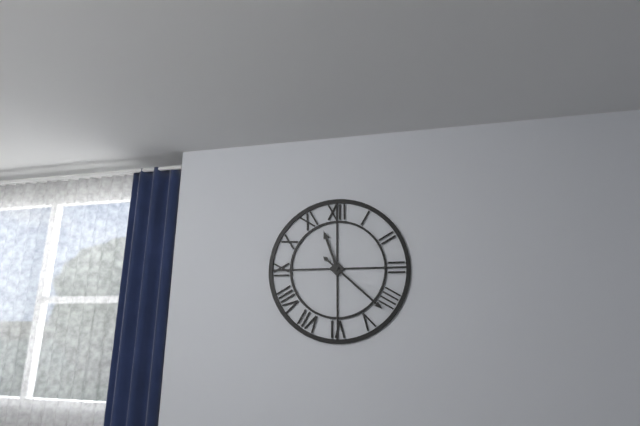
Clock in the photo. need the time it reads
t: 11:22
